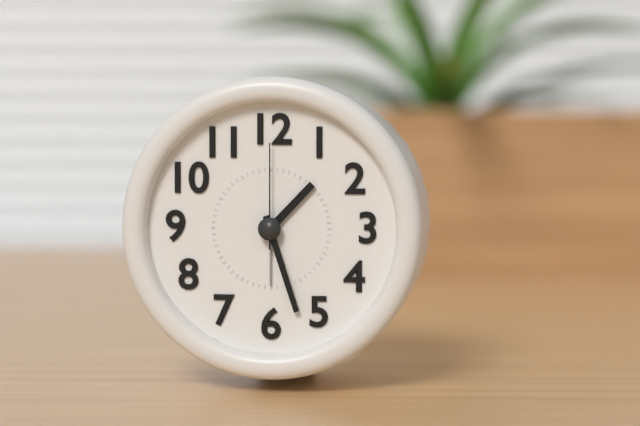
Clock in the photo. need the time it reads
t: 1:27:00
